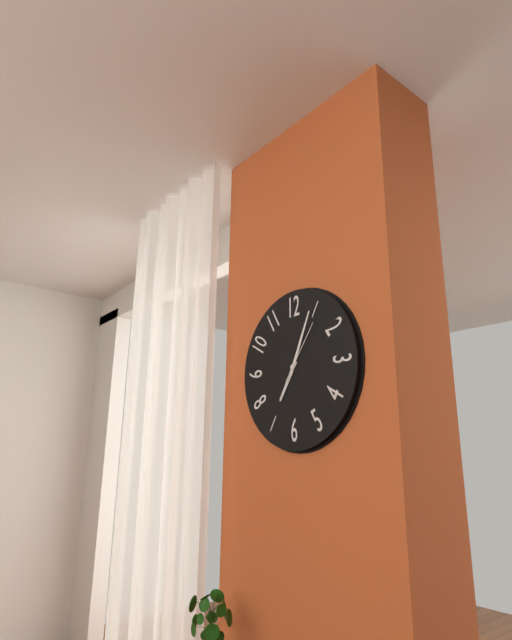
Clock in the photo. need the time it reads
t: 7:04:06
